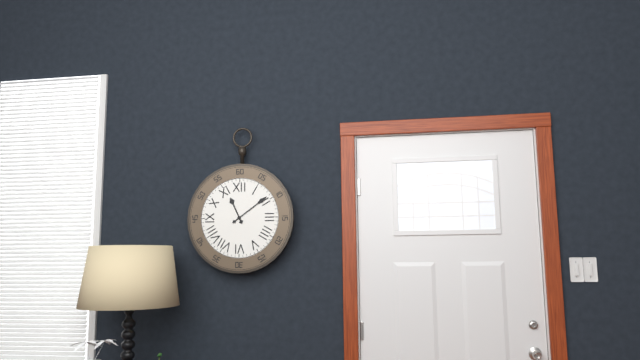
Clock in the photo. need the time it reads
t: 11:09
